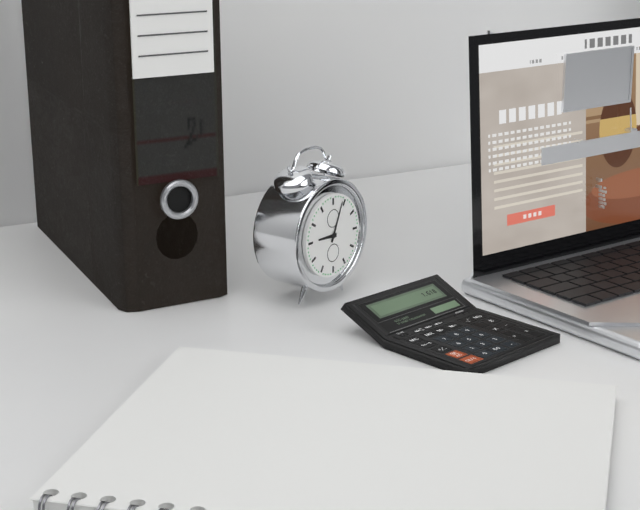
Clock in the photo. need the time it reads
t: 9:04
